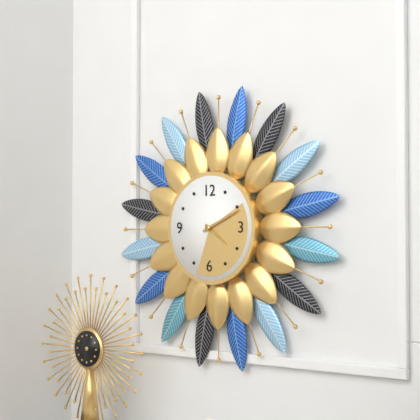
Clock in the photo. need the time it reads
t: 4:11
